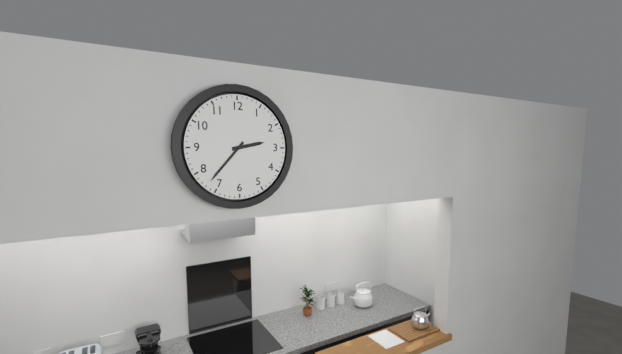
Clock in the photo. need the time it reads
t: 2:37
